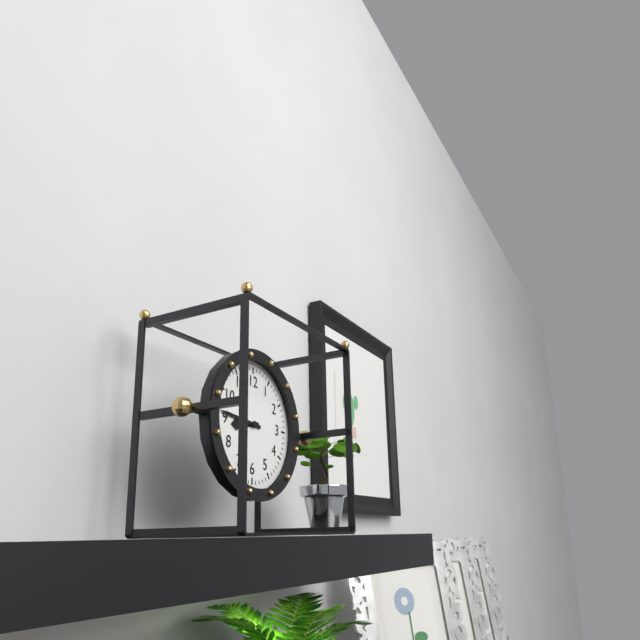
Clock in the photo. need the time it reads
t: 8:46
